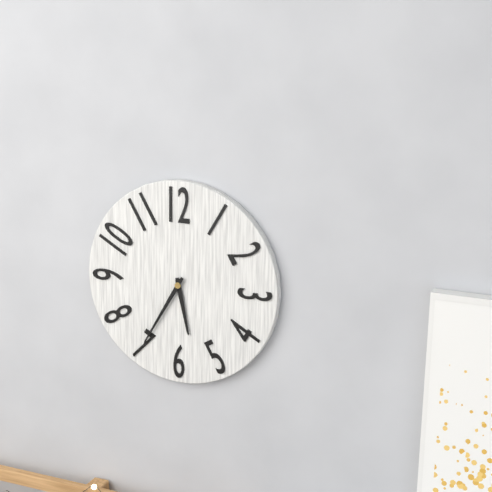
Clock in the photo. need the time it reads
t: 5:35
